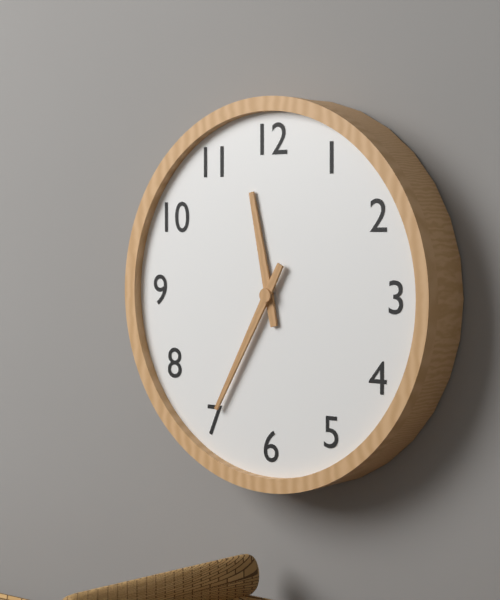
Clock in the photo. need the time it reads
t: 11:35
